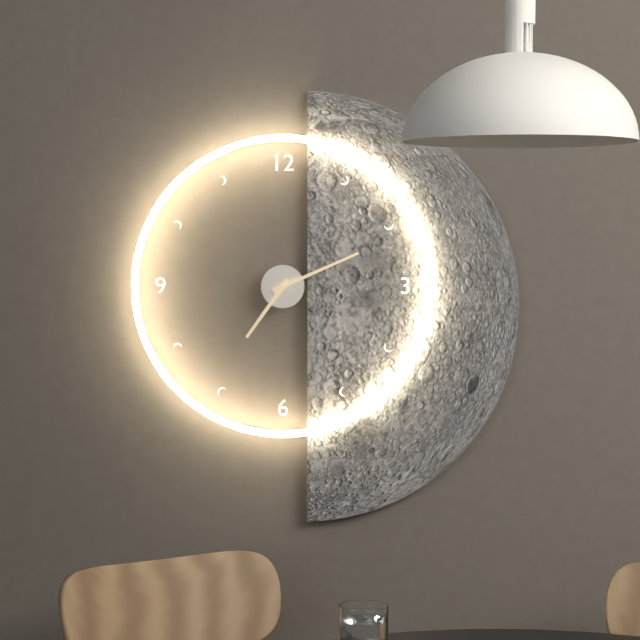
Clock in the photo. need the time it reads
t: 7:11
